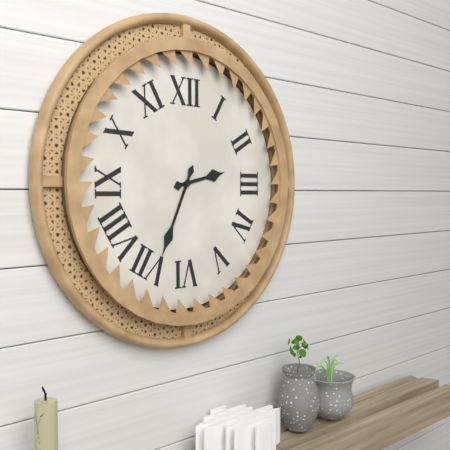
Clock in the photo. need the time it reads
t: 2:34
